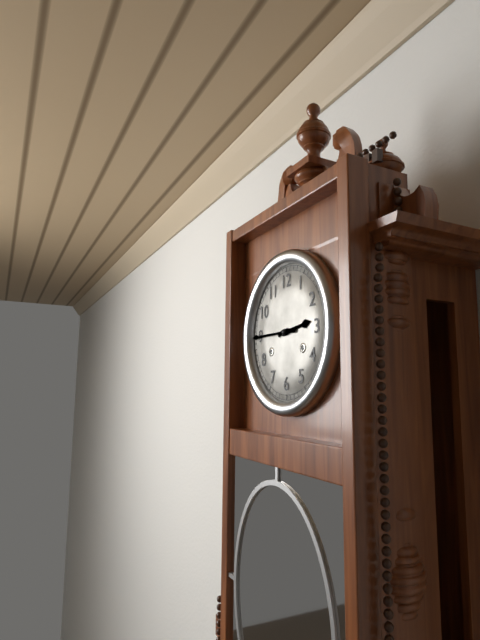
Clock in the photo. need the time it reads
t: 2:45
